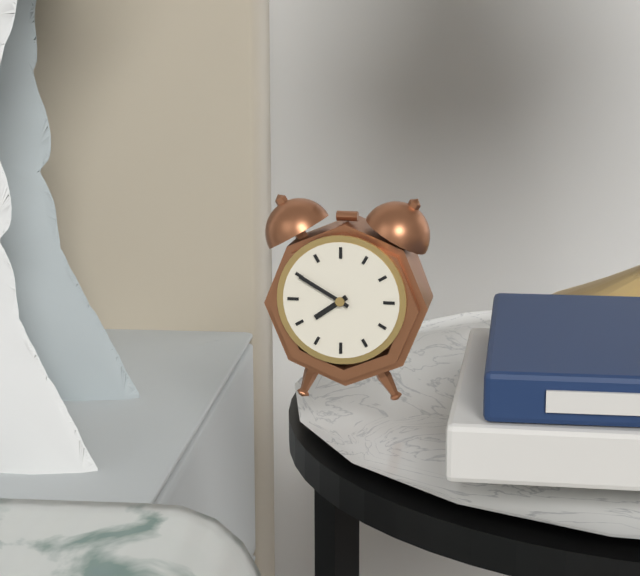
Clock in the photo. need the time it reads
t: 7:50
